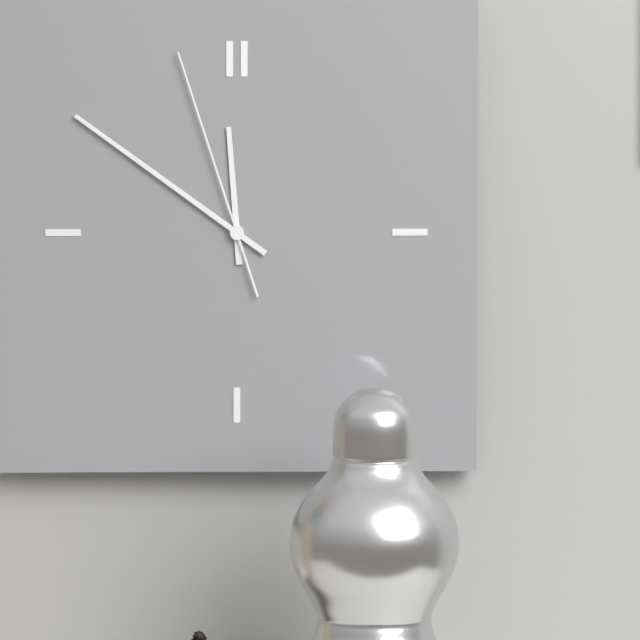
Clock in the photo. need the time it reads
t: 11:51:57
